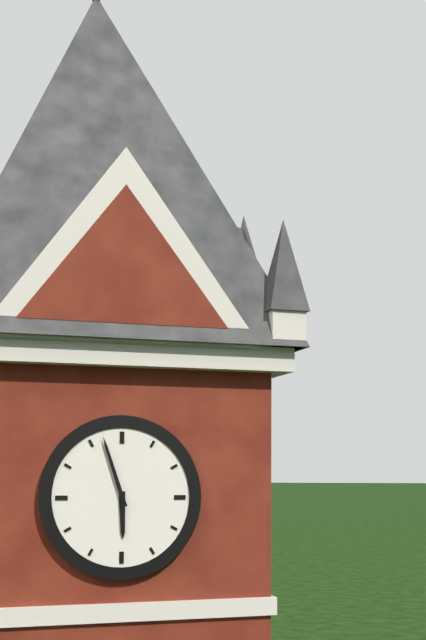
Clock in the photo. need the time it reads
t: 5:57
